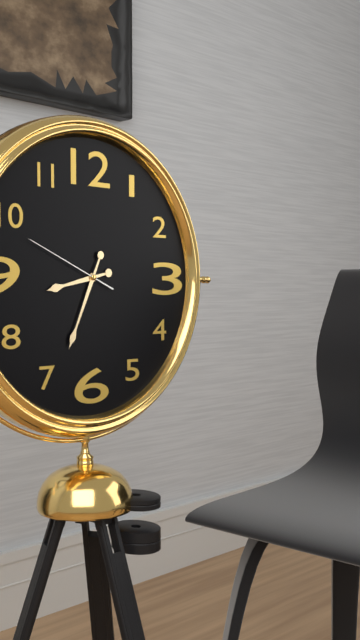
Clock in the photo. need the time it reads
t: 8:34:49
